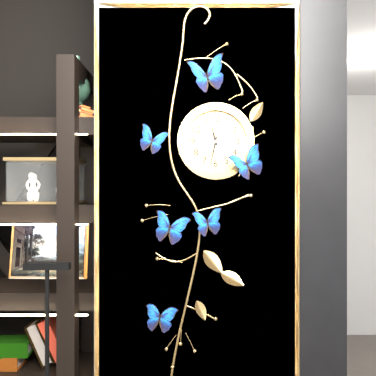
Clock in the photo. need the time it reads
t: 11:32
